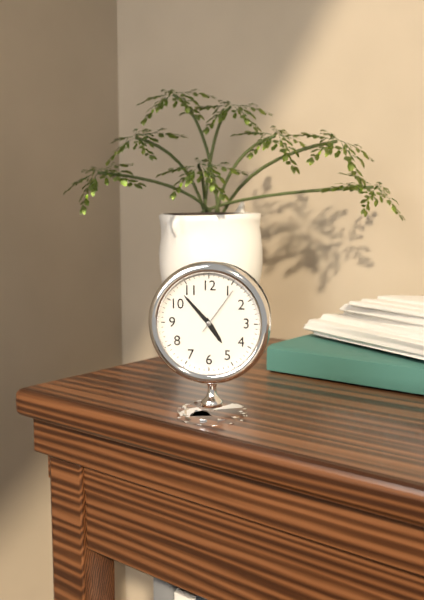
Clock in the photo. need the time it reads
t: 4:53:06
